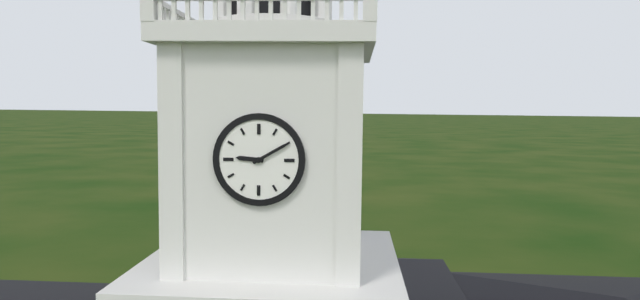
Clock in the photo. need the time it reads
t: 9:10
